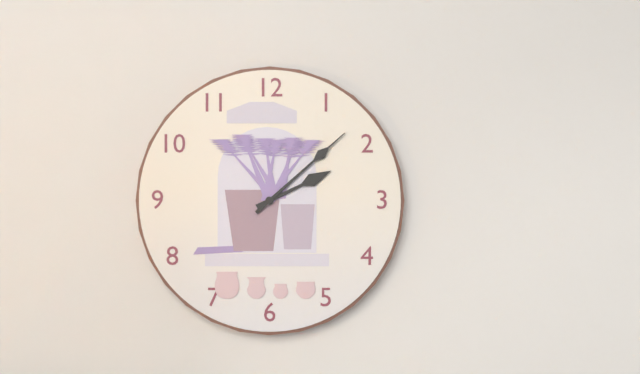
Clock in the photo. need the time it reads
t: 2:08
